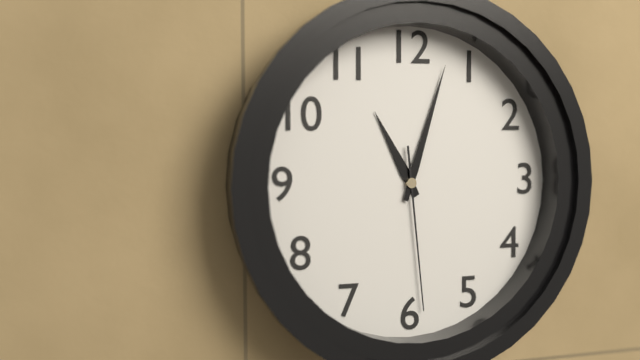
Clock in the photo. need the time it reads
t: 11:03:29
